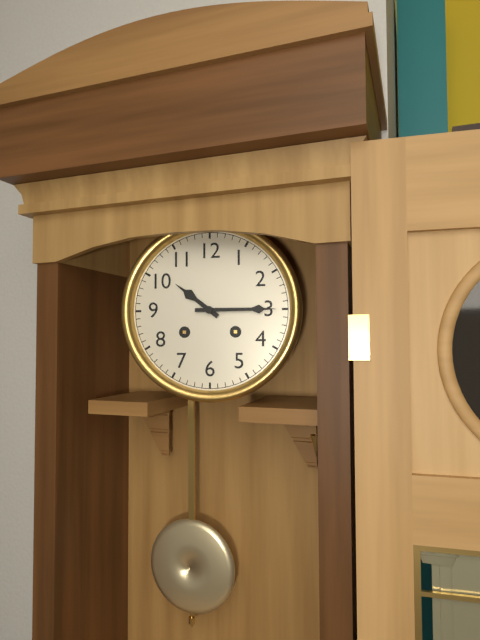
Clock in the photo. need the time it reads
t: 10:15
